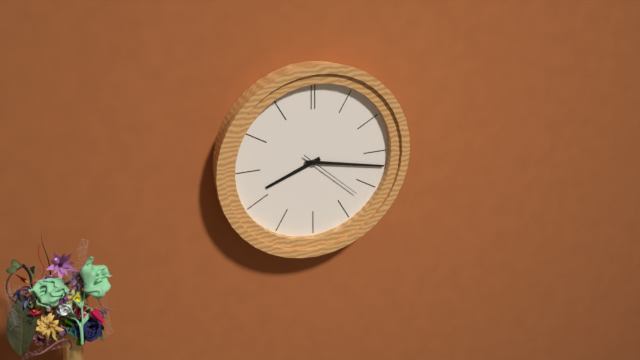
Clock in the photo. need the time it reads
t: 8:17:22
